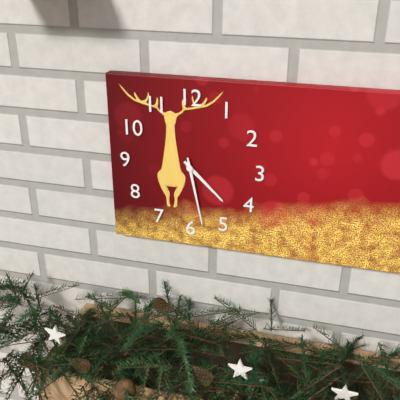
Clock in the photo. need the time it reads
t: 4:28
